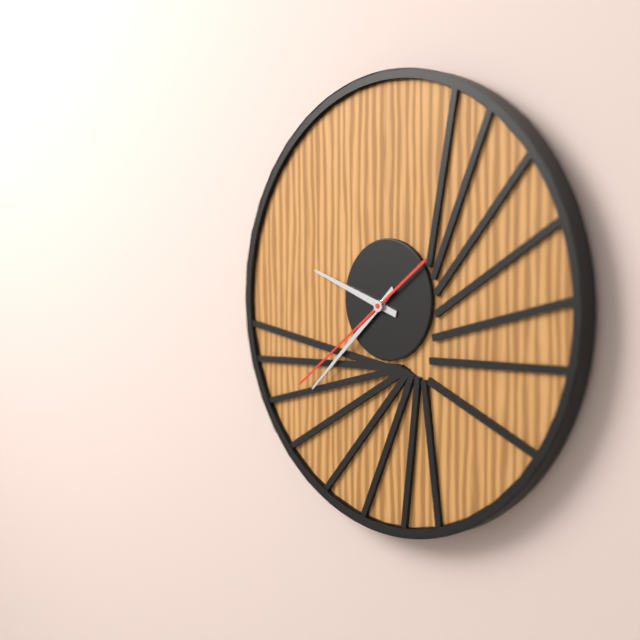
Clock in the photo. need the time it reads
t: 9:38:39
